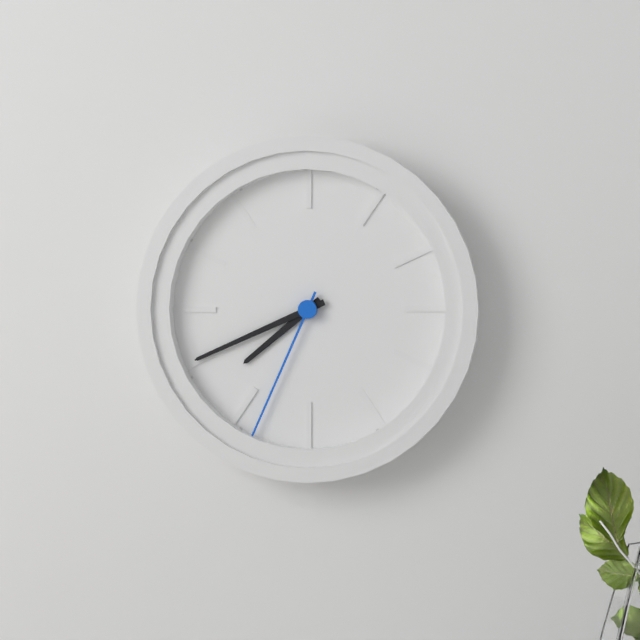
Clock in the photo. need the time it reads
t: 7:41:34
